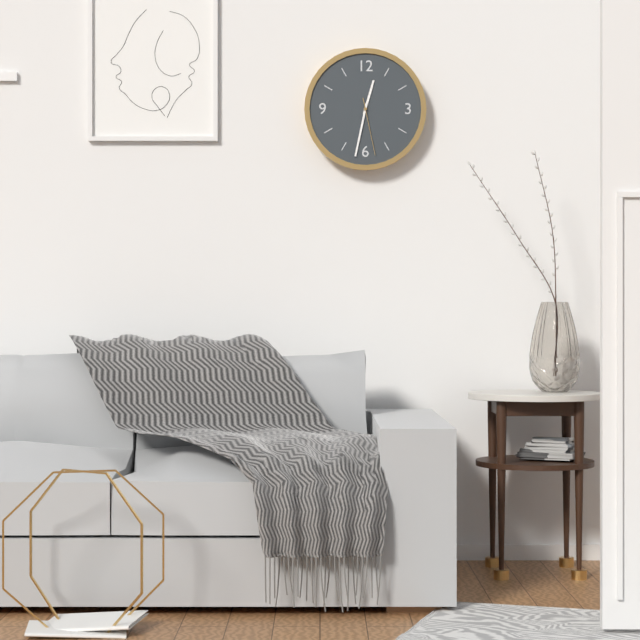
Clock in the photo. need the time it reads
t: 12:32:28
